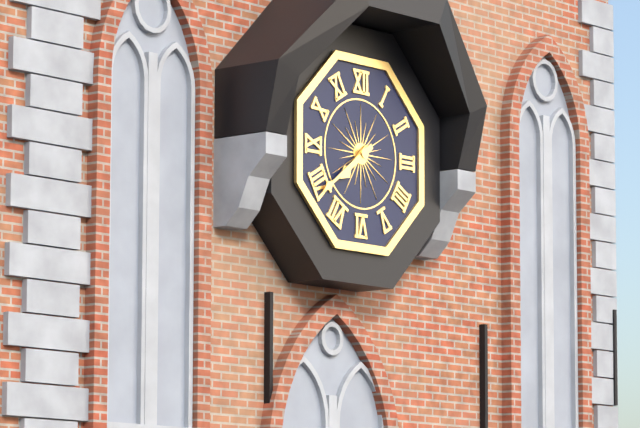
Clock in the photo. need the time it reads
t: 7:39
